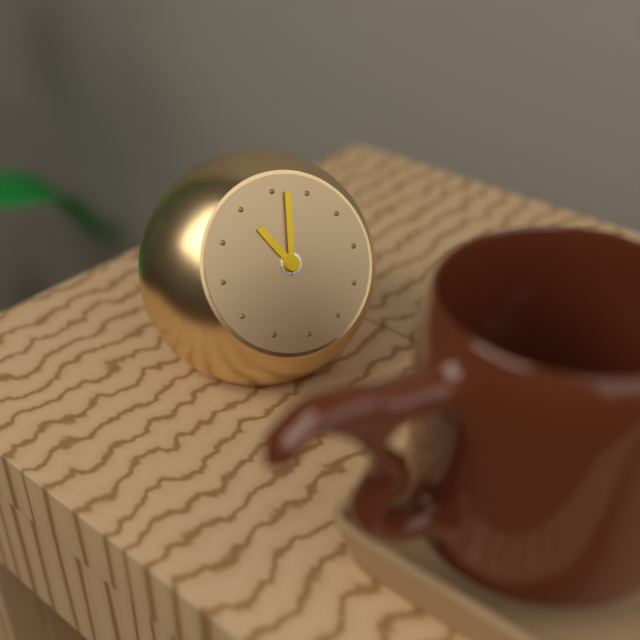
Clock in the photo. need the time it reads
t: 11:02
